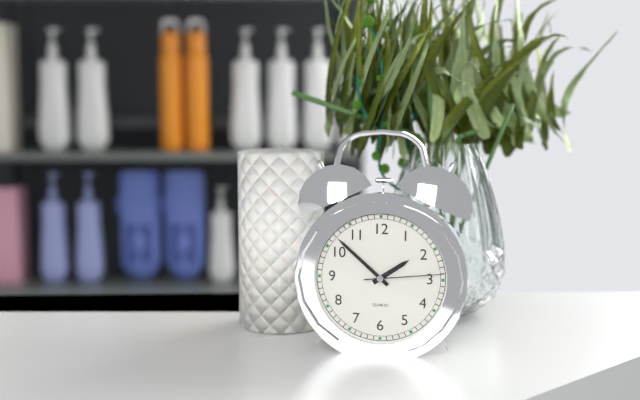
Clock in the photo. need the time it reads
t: 1:52:14
